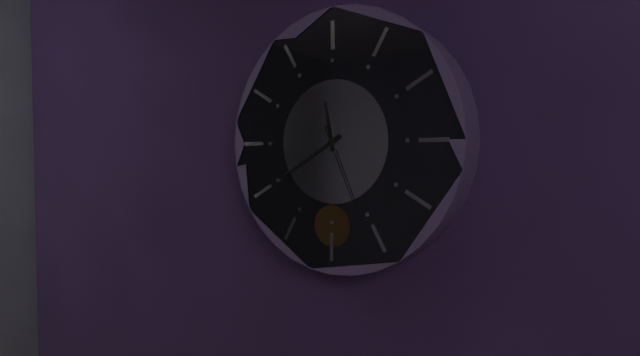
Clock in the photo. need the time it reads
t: 11:40:26
